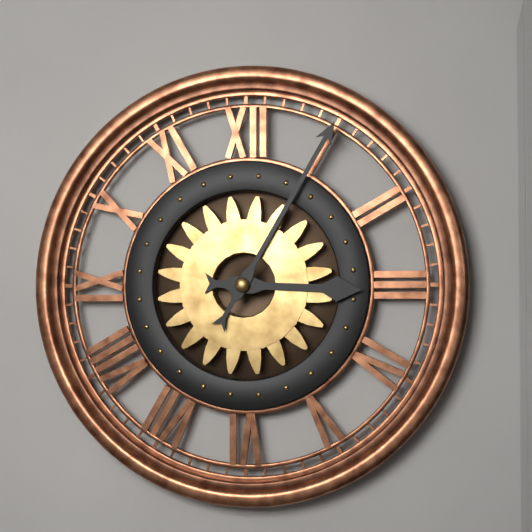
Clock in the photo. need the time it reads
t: 3:05
